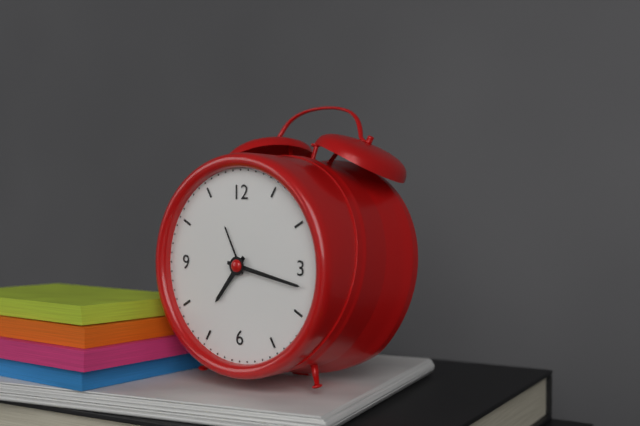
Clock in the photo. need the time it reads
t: 7:17
